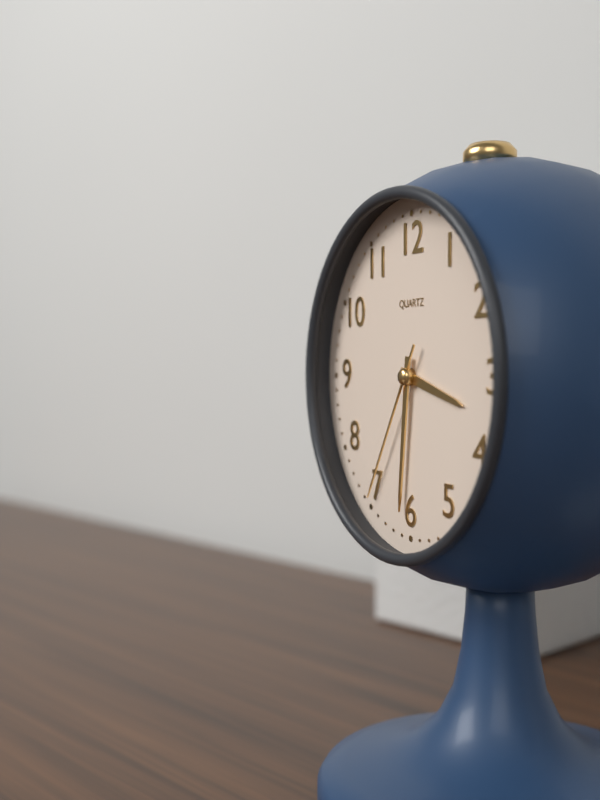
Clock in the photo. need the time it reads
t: 3:31:35
